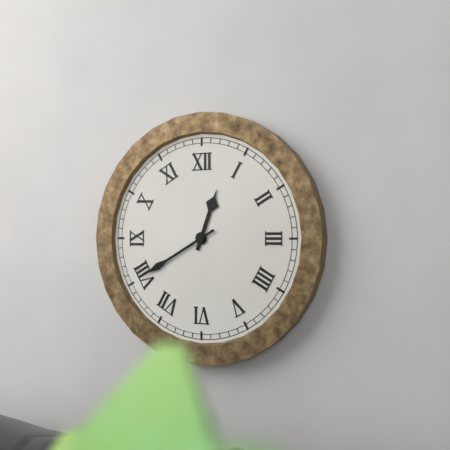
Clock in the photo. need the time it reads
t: 12:40
